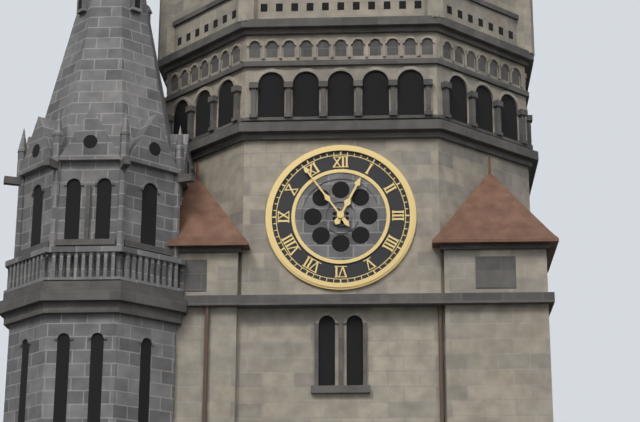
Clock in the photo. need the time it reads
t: 12:54
